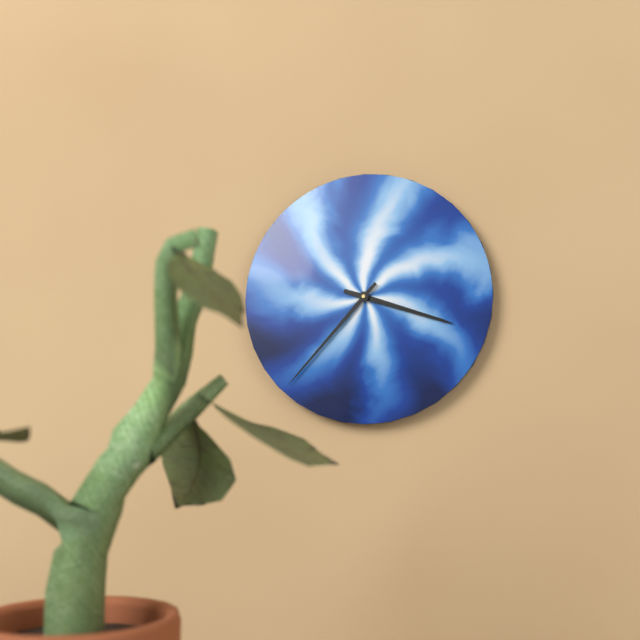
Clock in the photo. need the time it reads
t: 3:37
